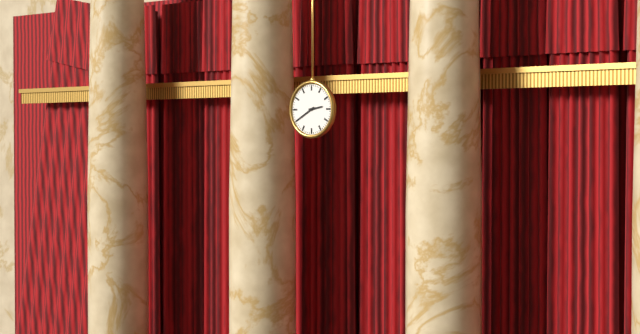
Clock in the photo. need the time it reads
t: 2:40
